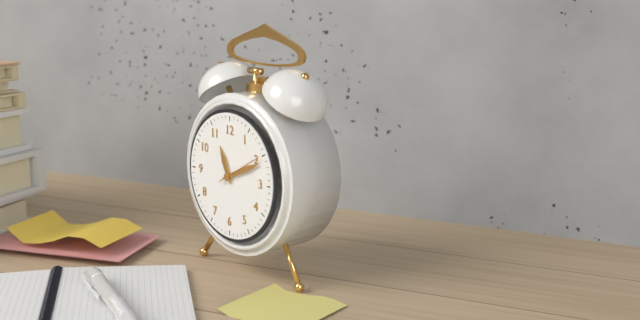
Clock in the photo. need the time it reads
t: 11:11
